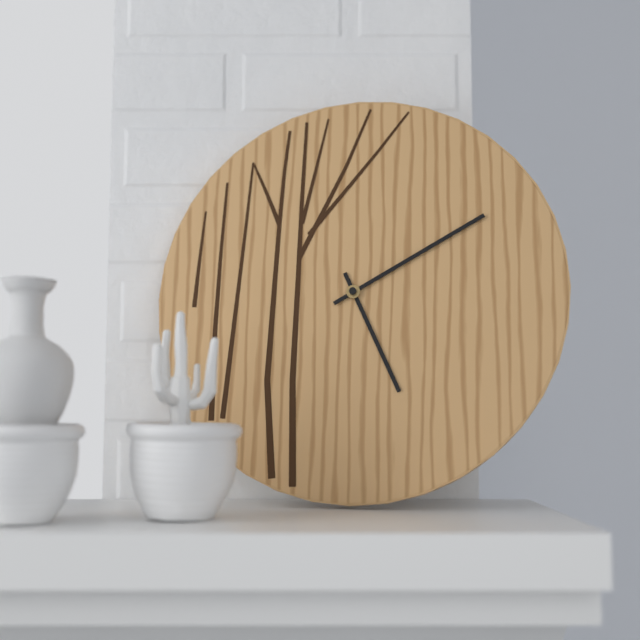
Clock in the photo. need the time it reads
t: 5:10
